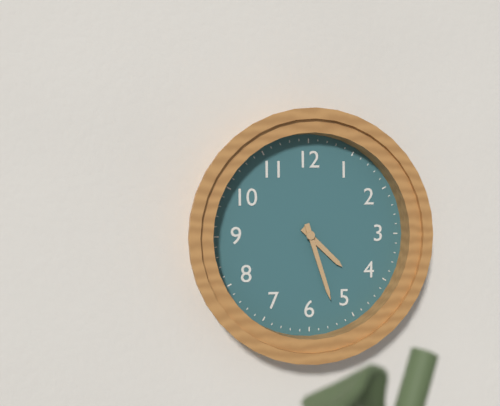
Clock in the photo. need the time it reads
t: 4:27
